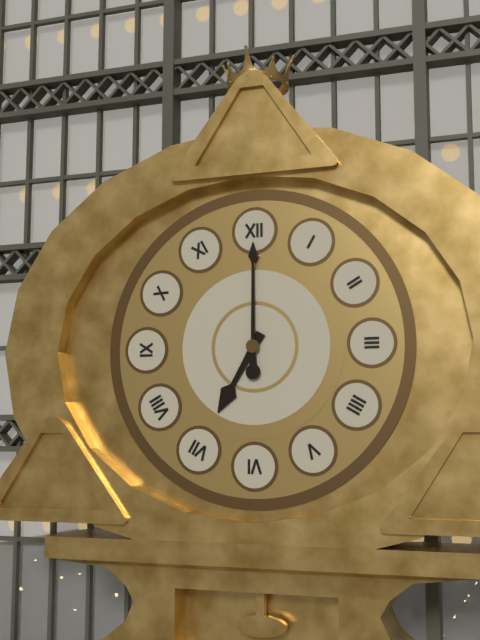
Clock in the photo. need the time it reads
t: 7:00
